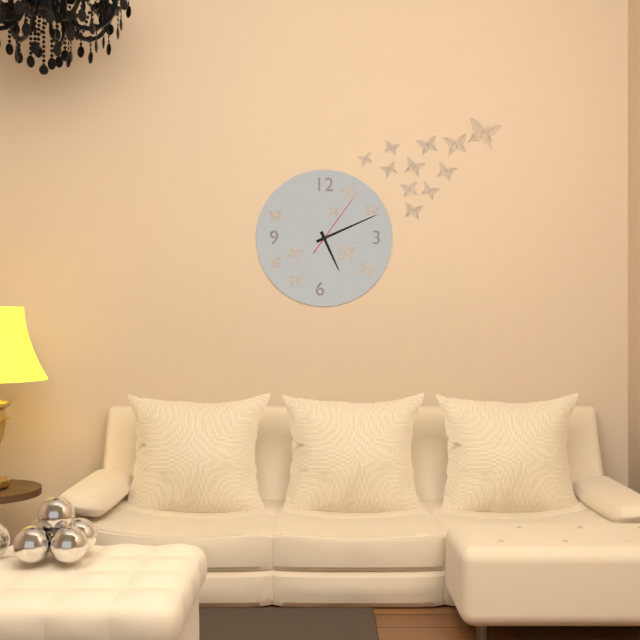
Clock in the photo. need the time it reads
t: 5:11:06
